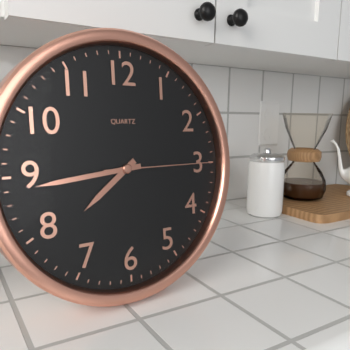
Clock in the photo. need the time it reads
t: 7:44:15
